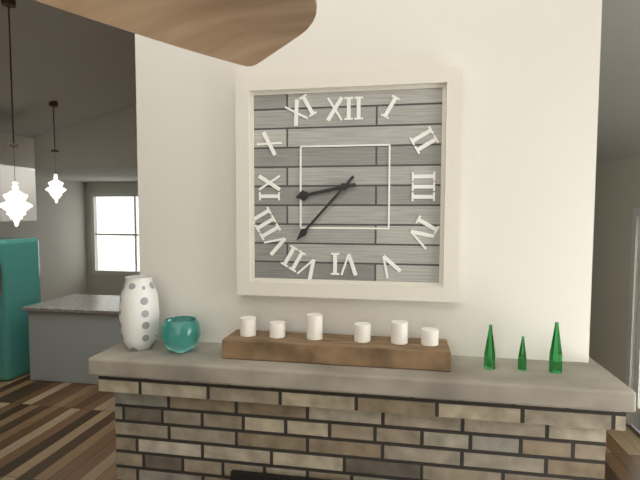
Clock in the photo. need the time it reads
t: 8:37
